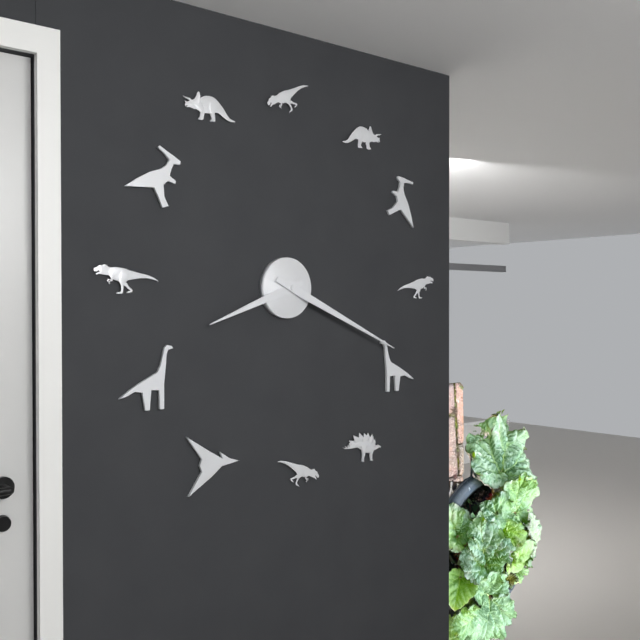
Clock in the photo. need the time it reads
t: 8:19
